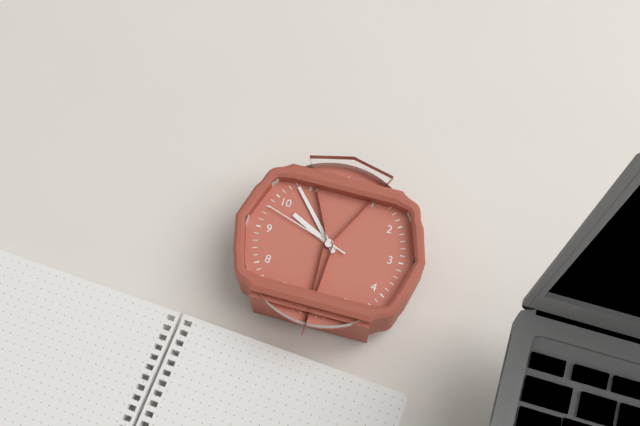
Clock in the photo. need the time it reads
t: 9:53:48
